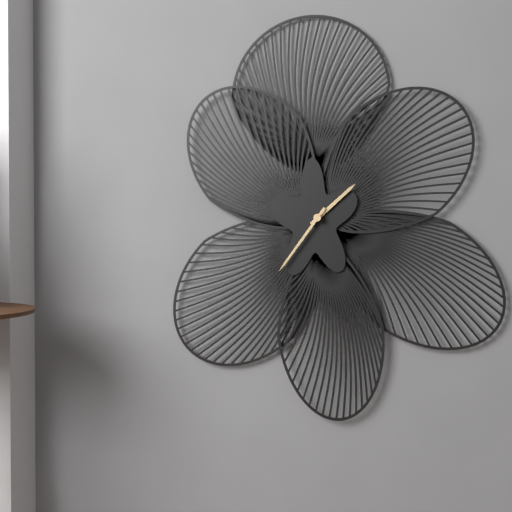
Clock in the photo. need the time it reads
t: 1:36
